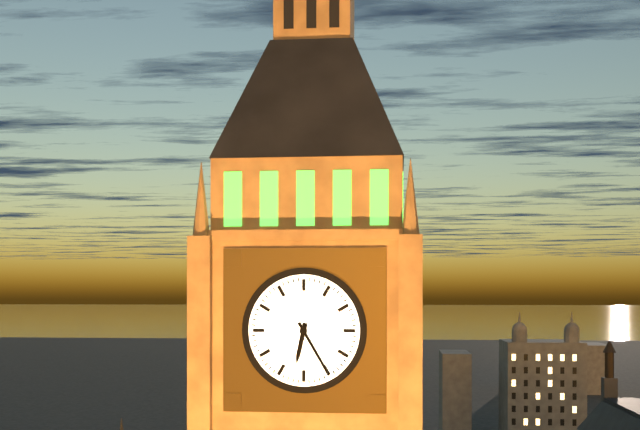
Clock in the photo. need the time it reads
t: 6:25
